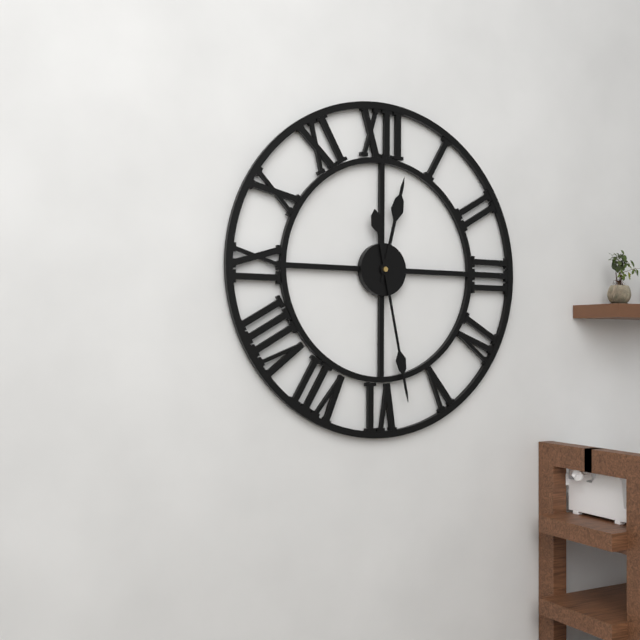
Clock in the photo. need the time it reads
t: 12:28
